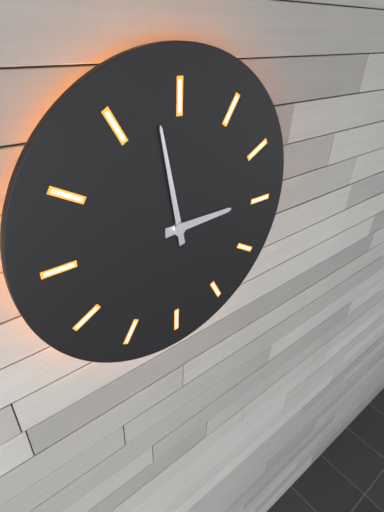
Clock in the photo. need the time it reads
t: 2:58
